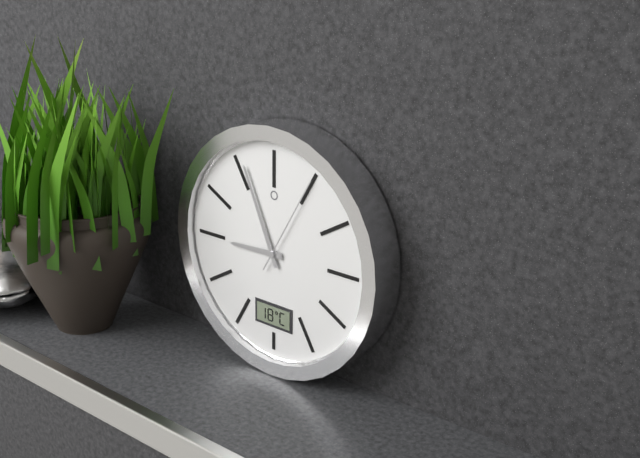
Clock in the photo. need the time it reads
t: 8:56:05
